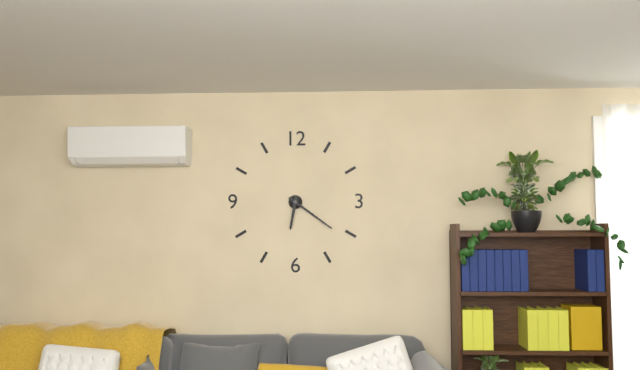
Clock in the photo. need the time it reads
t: 6:21
